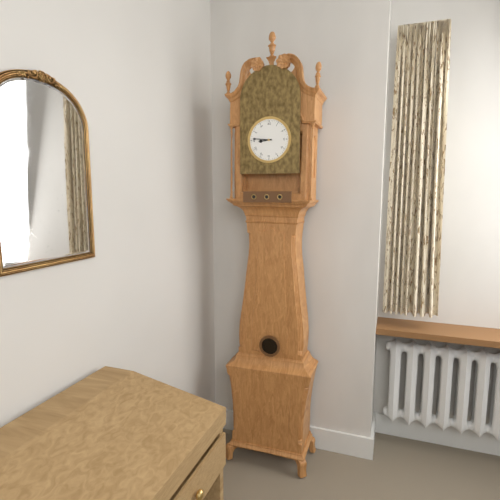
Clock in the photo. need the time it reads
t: 8:46
